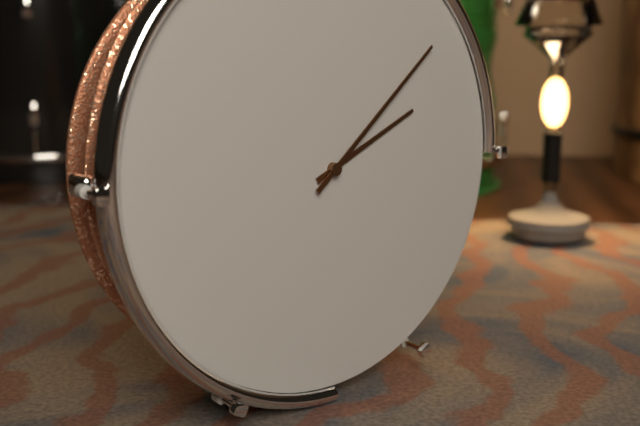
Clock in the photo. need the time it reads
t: 2:08
